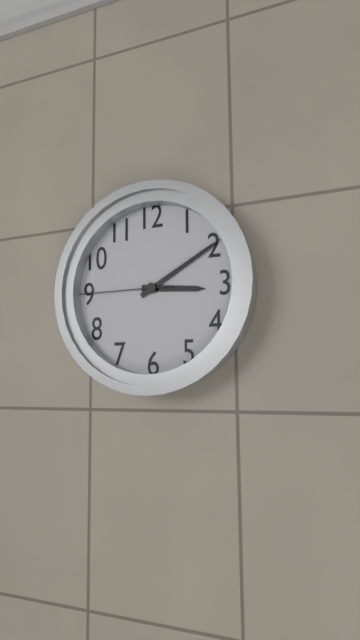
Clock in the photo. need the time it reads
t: 3:10:45
